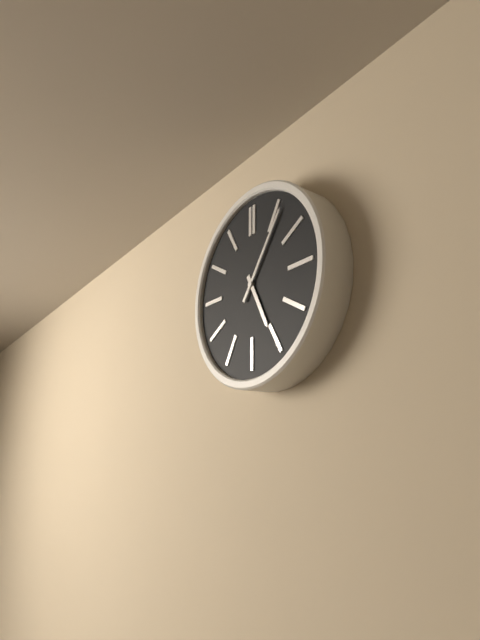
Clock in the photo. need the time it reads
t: 5:06
